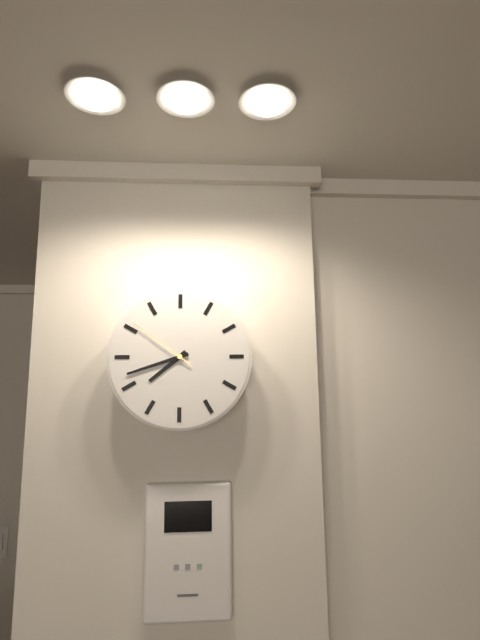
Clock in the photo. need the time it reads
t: 7:42:51
